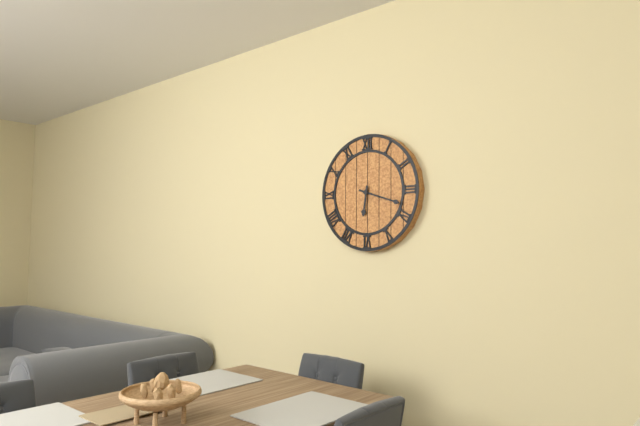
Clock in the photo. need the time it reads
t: 6:18
